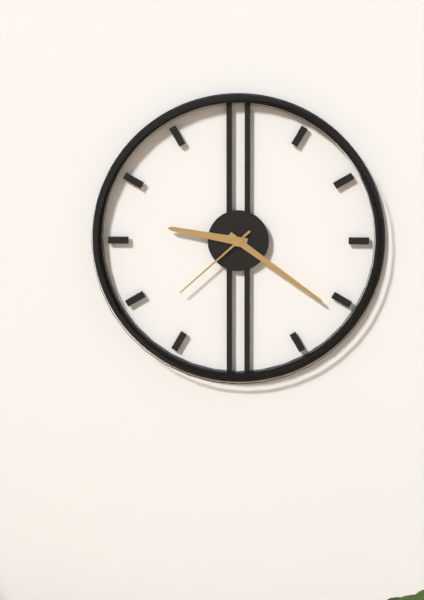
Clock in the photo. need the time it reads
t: 9:21:38
